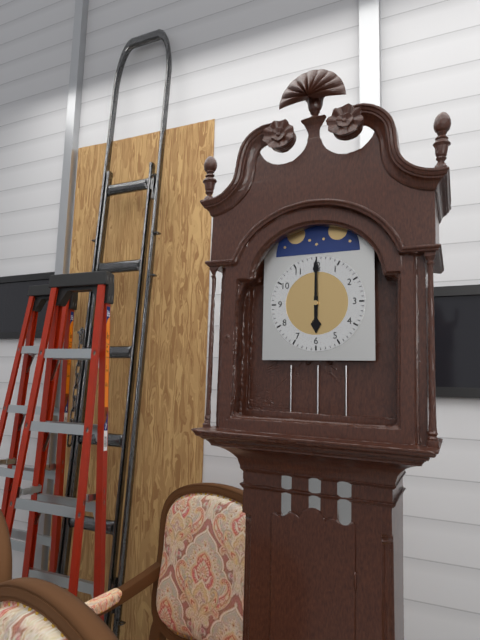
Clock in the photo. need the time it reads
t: 6:00
